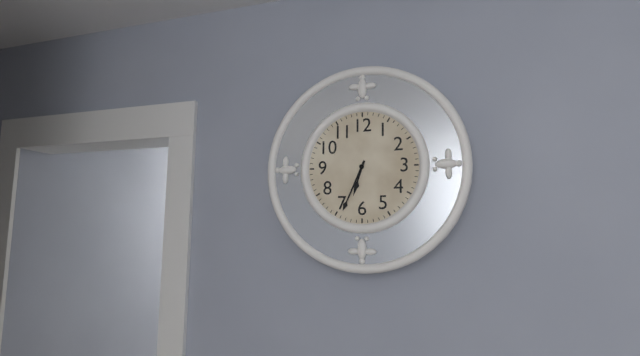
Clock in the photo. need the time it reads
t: 6:34
